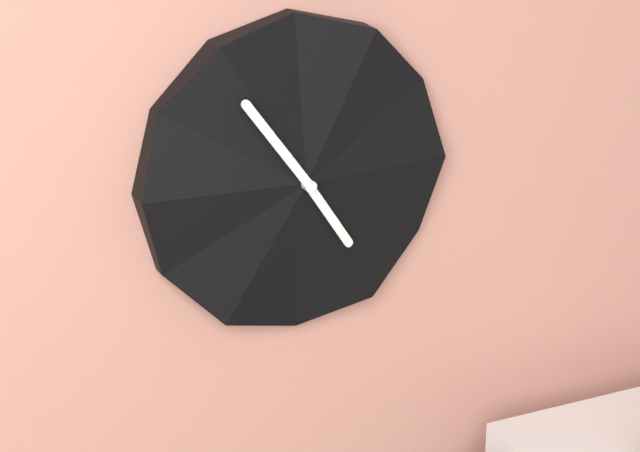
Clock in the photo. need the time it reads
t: 4:54
